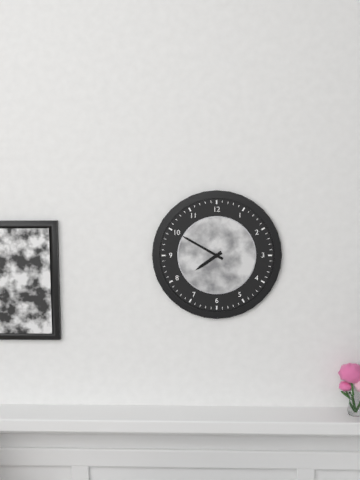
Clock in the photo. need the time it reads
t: 7:50
